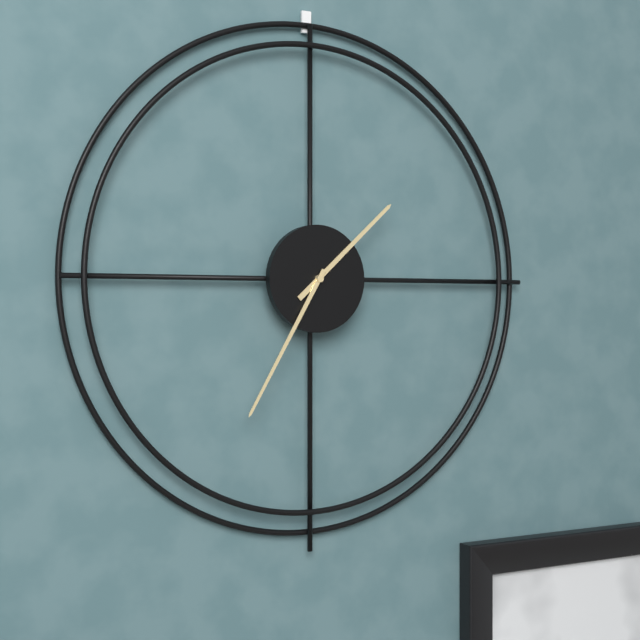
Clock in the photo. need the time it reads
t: 1:35
